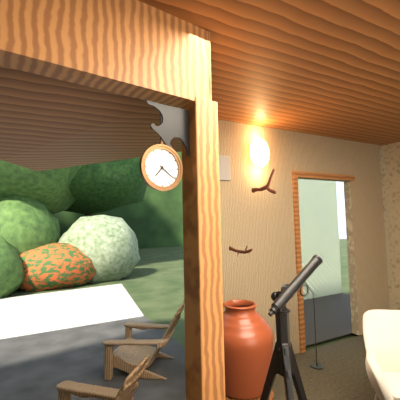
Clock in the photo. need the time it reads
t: 7:21
